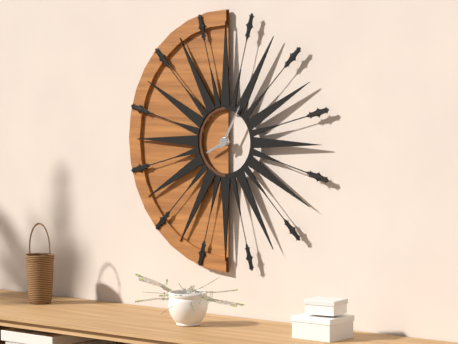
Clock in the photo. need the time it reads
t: 8:05
